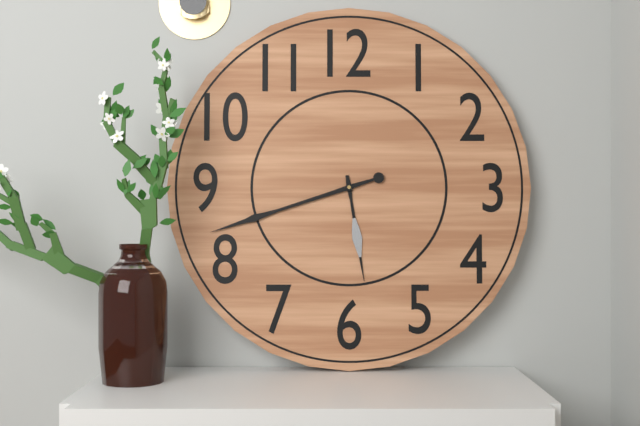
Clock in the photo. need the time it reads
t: 5:42
